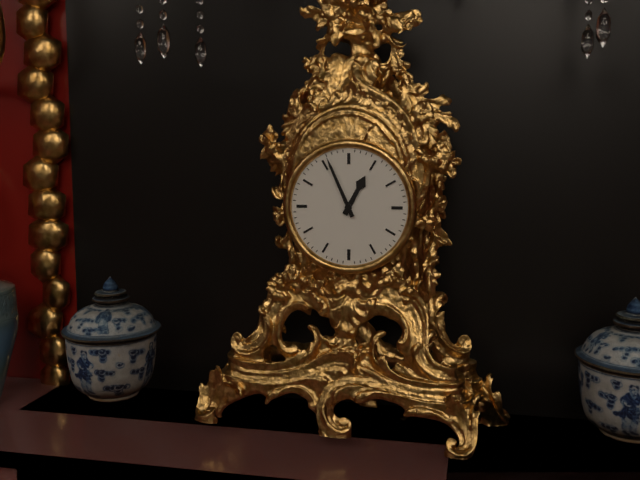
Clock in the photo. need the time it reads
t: 12:56
